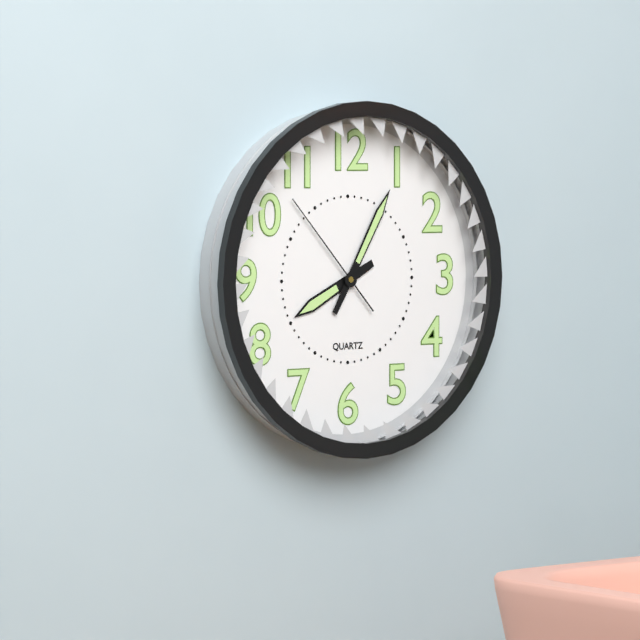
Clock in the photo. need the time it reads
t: 8:05:53
